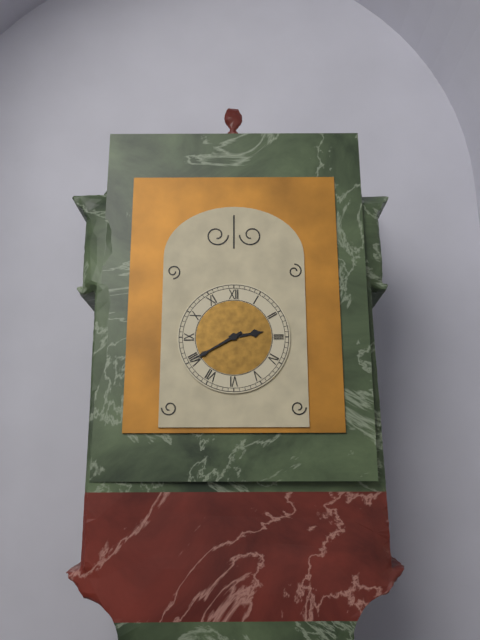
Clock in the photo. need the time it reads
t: 2:40
